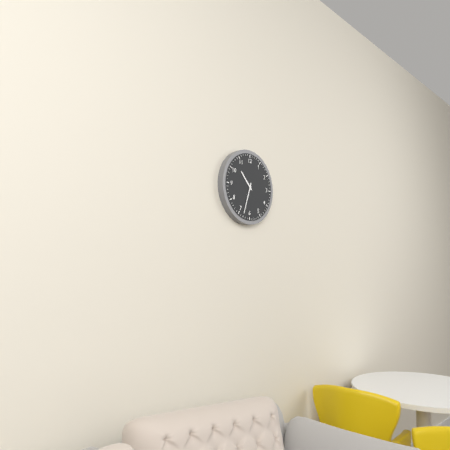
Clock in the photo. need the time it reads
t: 10:33
